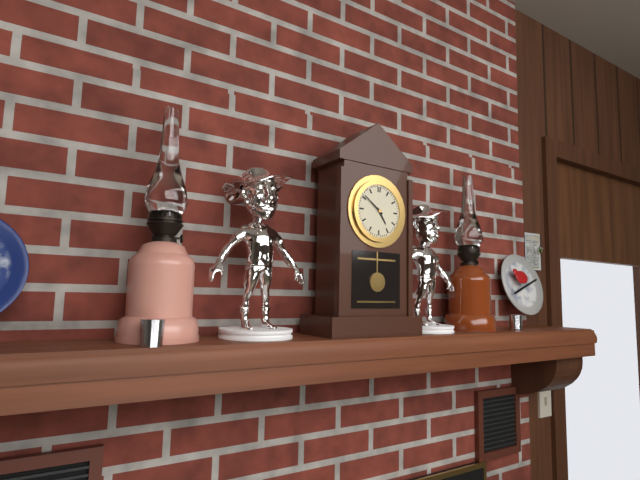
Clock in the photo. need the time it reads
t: 4:51
